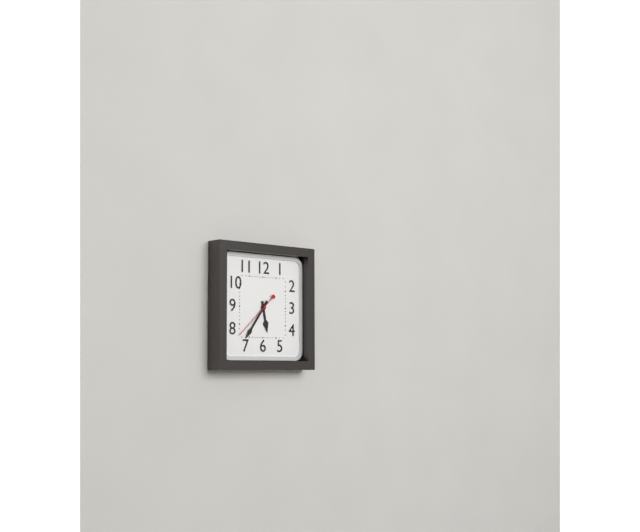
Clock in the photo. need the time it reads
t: 5:36
